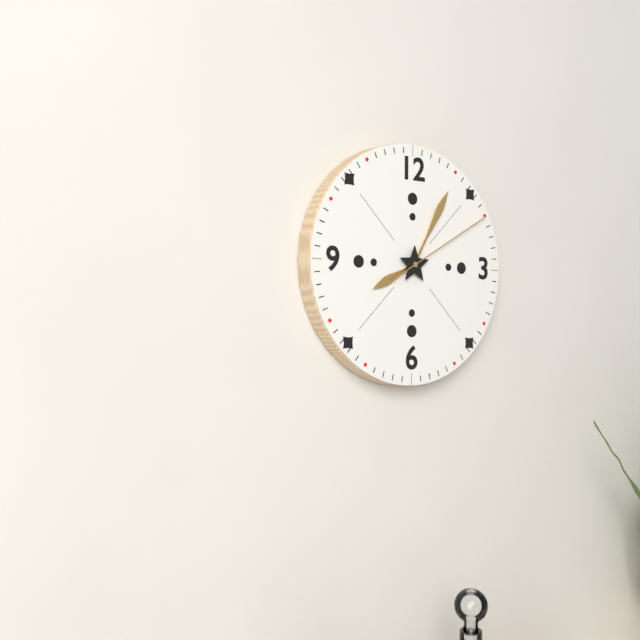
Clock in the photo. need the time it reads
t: 8:05:10
